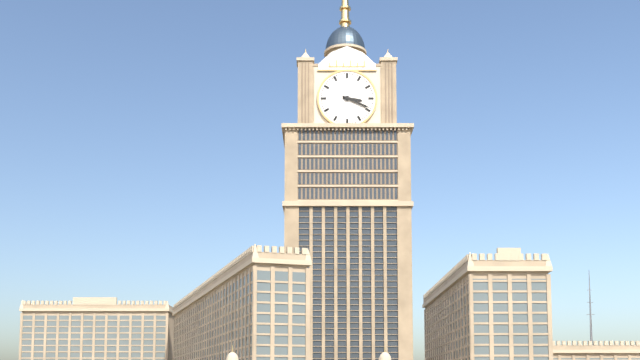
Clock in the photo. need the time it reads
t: 3:19
